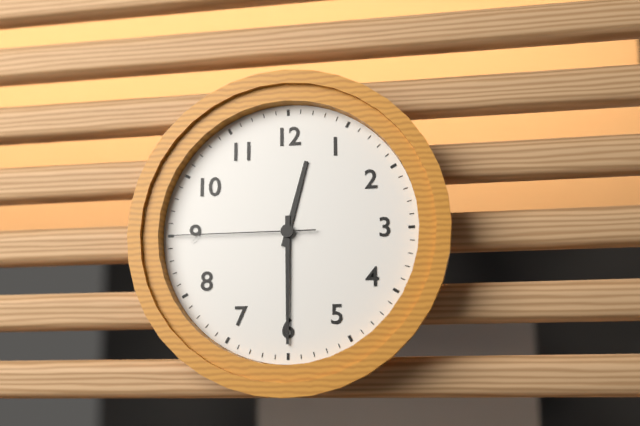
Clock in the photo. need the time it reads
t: 12:30:45
